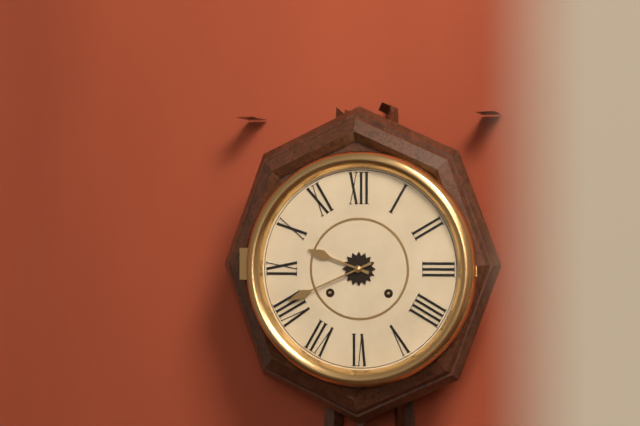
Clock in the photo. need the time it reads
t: 9:41
